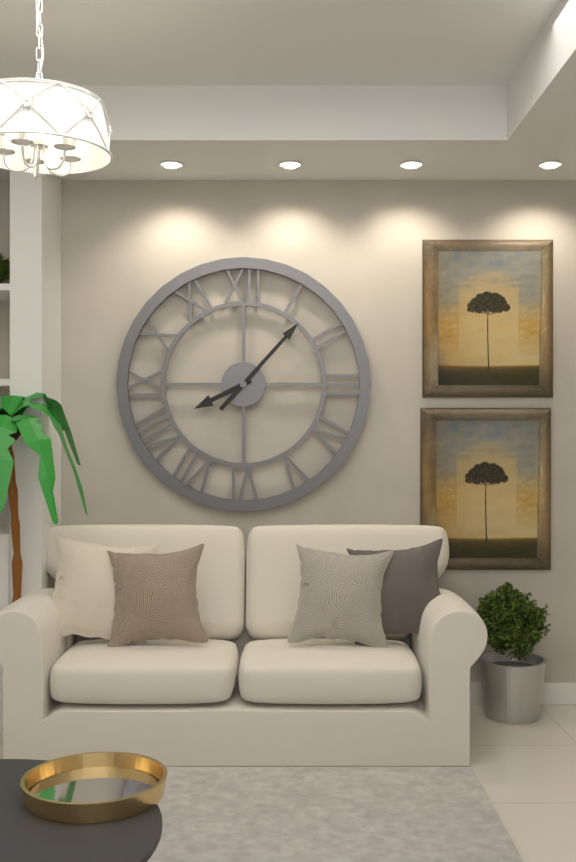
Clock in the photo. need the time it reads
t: 8:07
